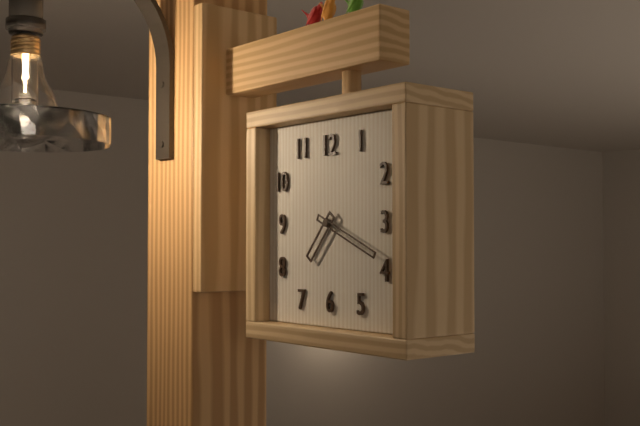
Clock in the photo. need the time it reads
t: 7:19
